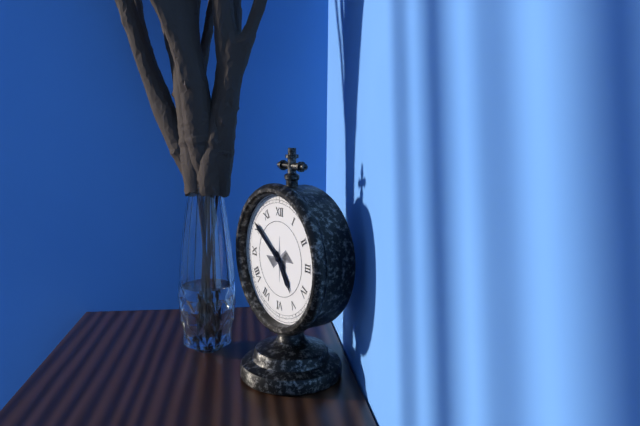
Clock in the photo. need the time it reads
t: 4:51
